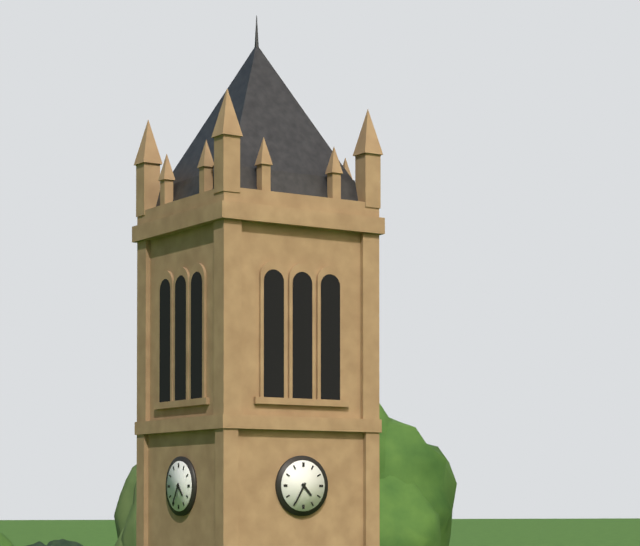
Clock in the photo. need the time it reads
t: 4:35
